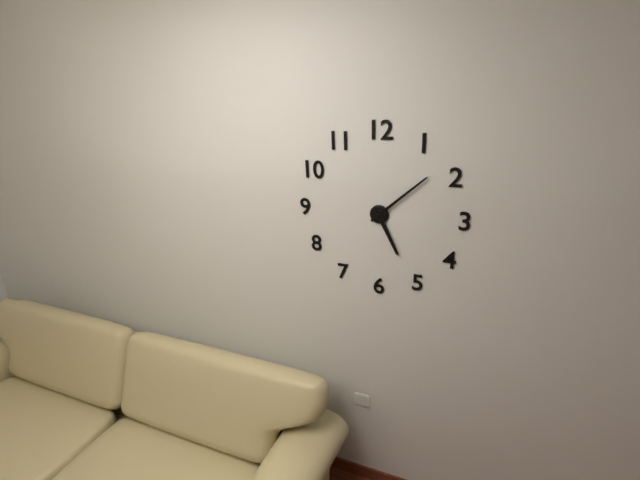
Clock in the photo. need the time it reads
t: 5:08
